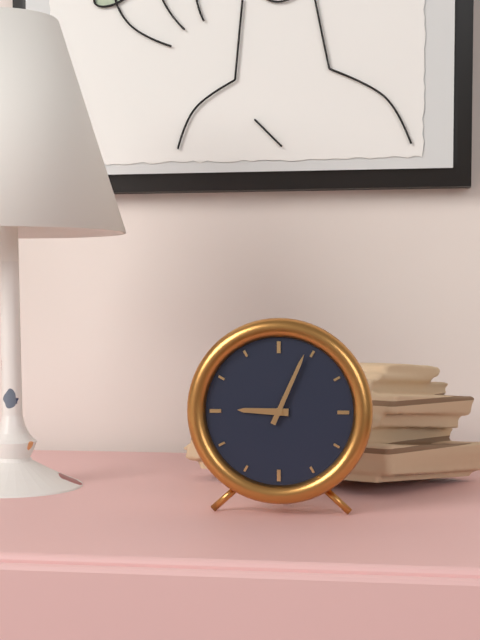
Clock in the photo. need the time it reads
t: 9:04
